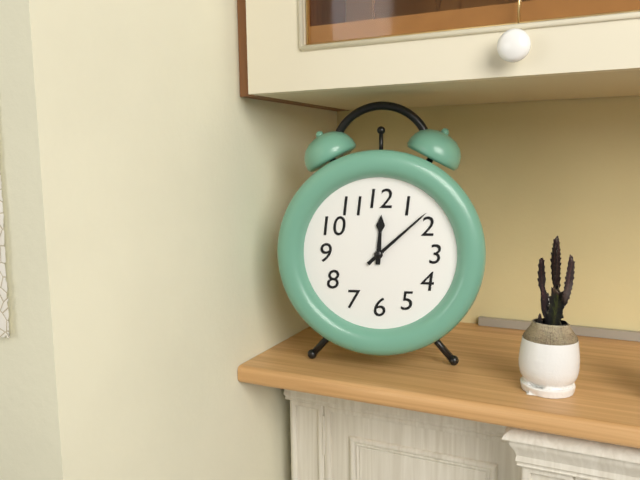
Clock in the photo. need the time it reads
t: 12:08
